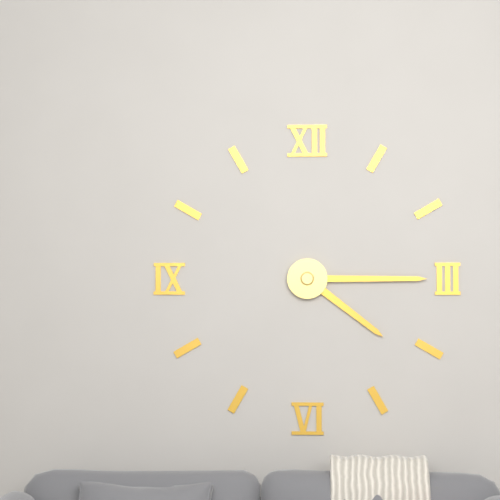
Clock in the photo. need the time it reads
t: 4:15
